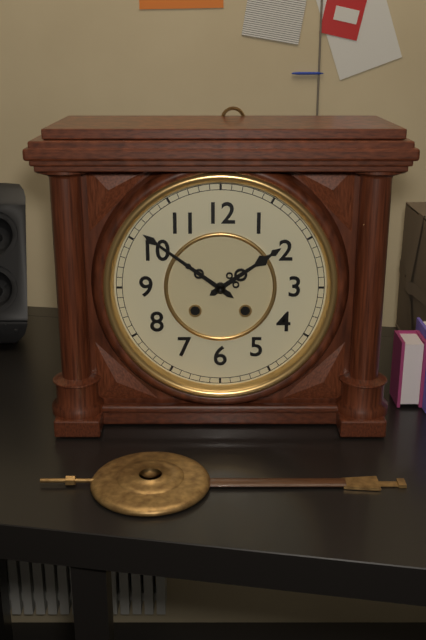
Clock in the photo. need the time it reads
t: 1:51
